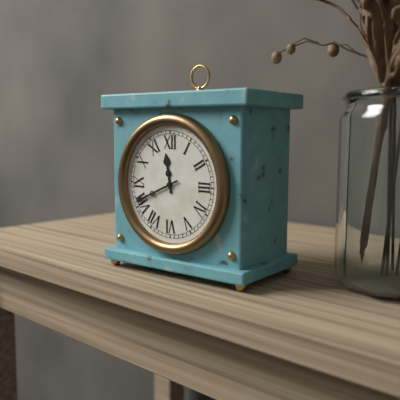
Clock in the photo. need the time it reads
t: 11:41
